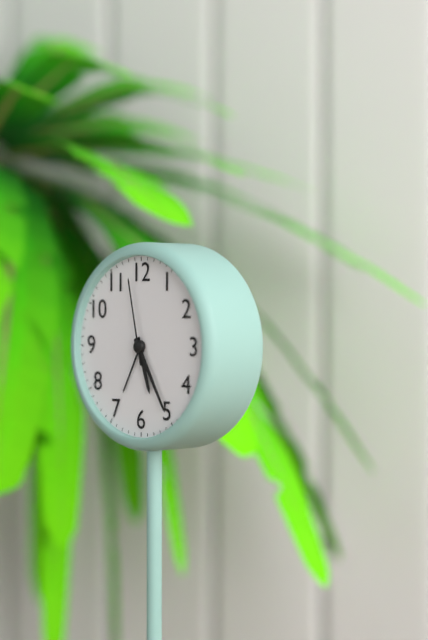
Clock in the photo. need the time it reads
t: 5:25:58
